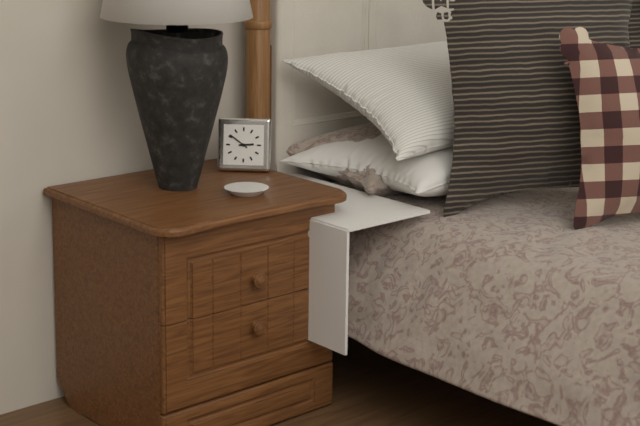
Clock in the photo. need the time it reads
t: 2:51
